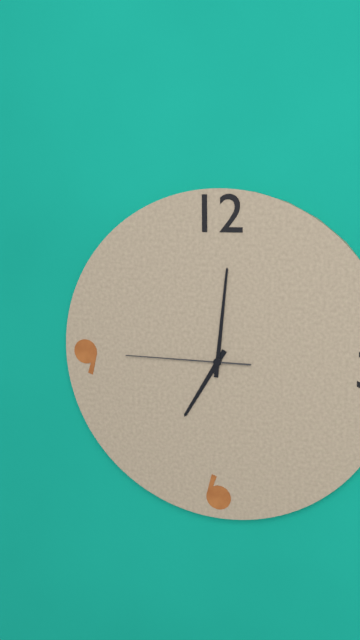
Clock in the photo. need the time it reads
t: 7:01:45
